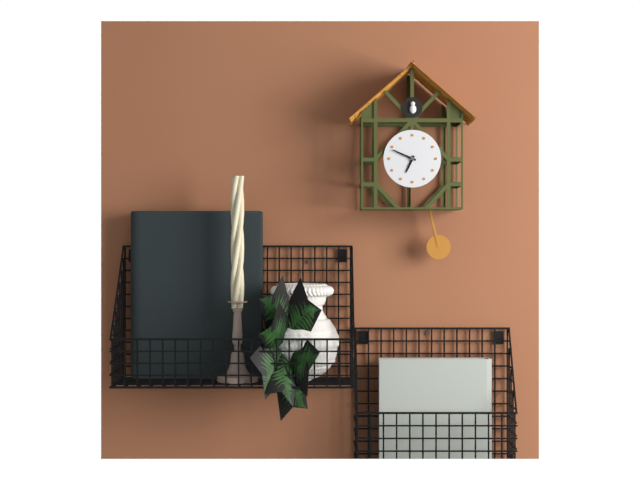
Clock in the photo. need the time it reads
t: 6:49
